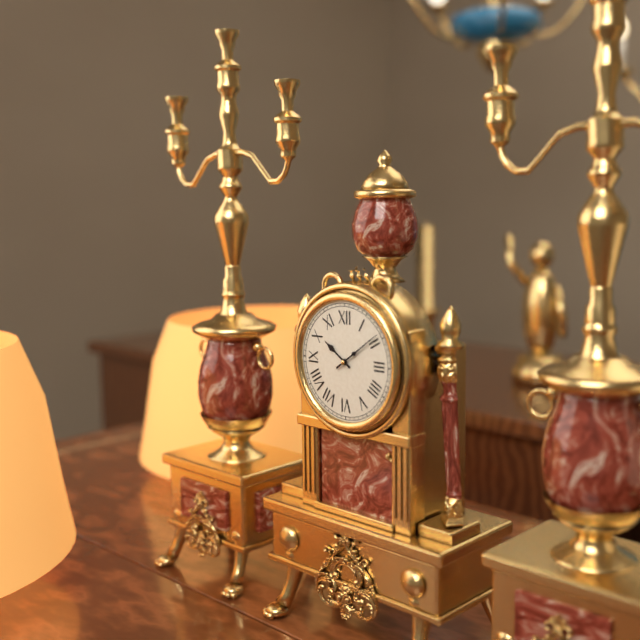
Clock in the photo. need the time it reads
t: 10:09
